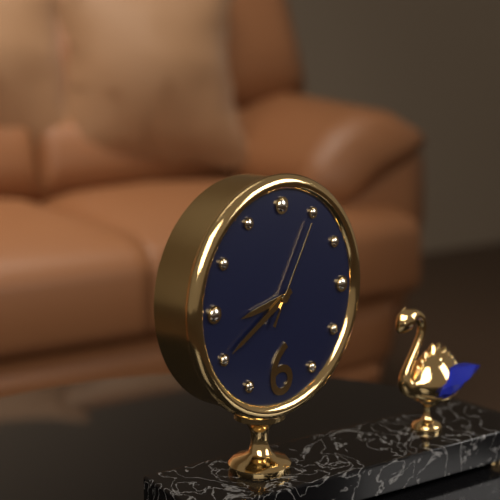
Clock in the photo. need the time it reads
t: 8:40:05
